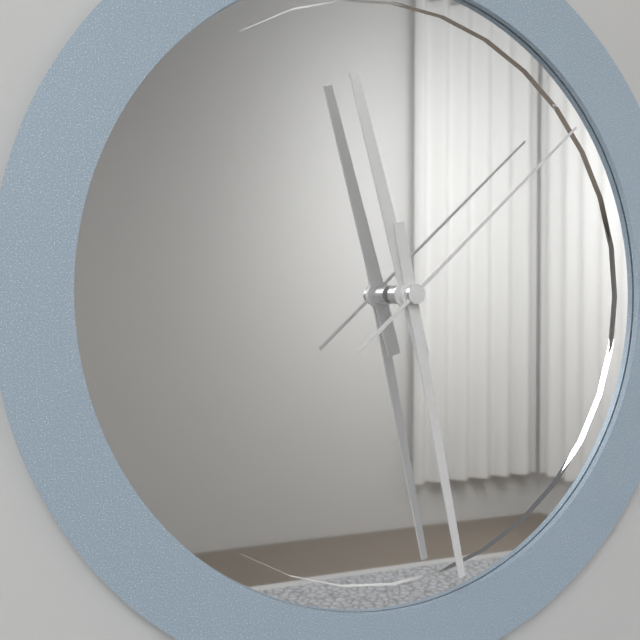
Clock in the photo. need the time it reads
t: 11:28:08
